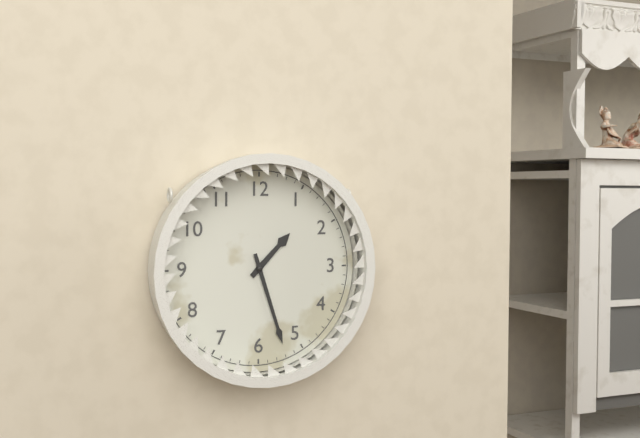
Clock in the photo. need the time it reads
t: 1:27
